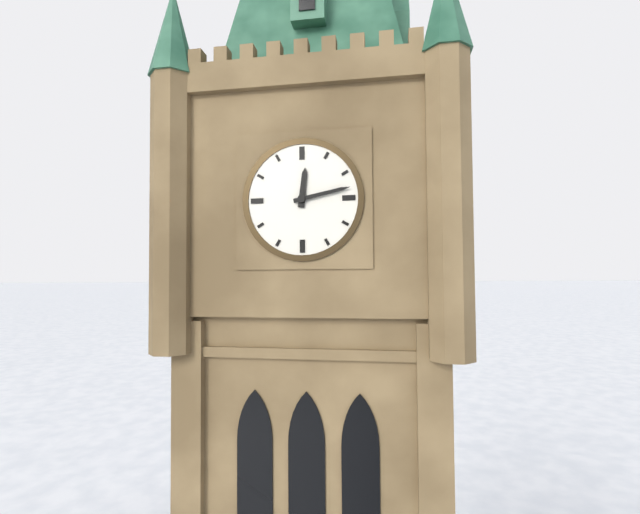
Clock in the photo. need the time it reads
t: 12:13
